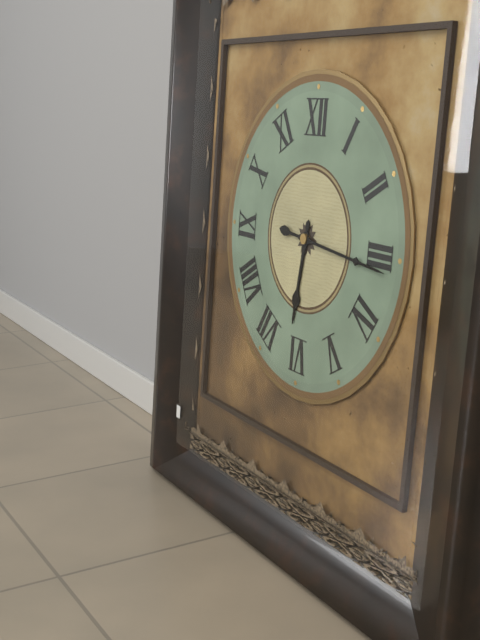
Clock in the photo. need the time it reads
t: 6:16
